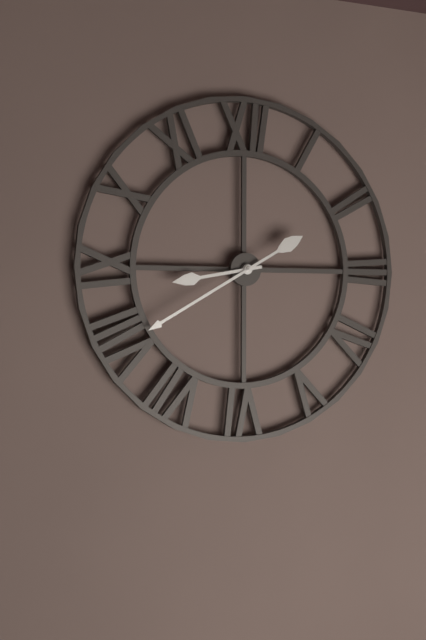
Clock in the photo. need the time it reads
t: 8:40
